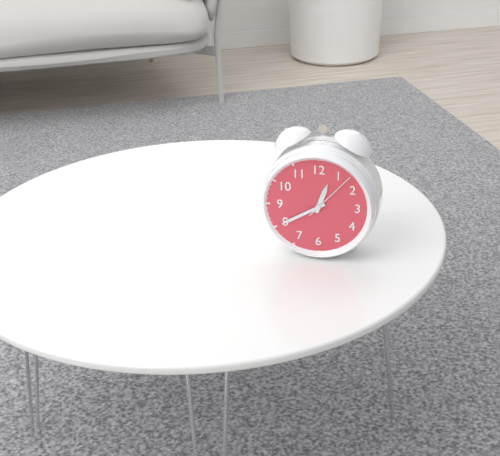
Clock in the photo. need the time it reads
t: 12:40:07
